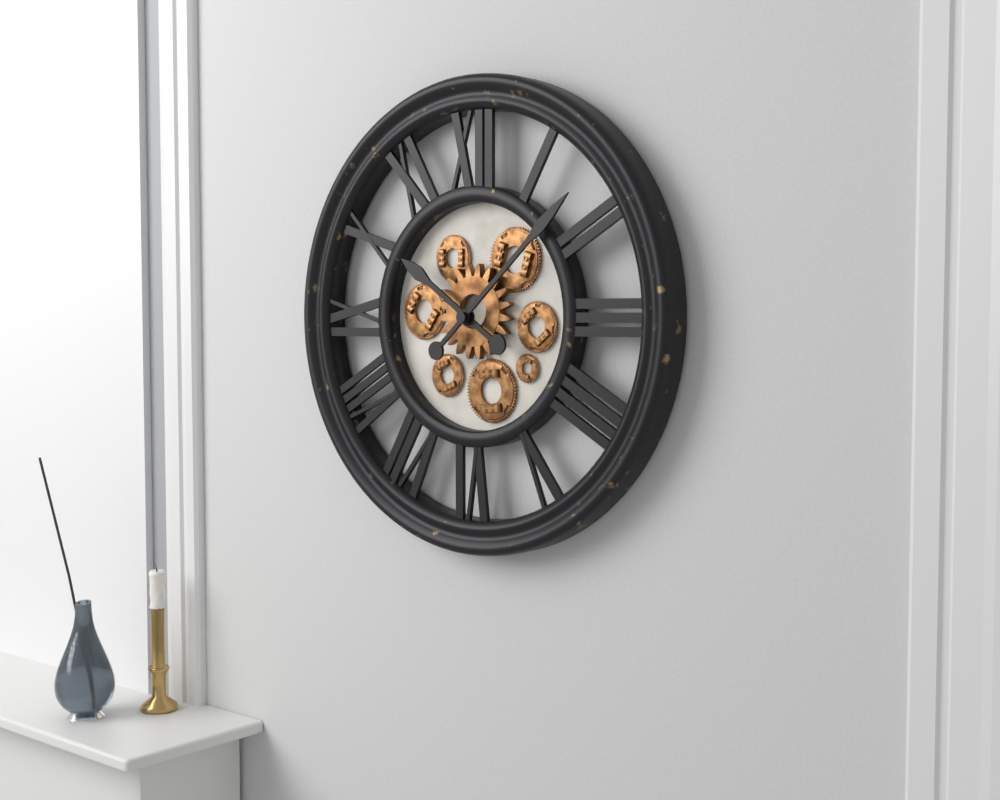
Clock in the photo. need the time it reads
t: 10:08
